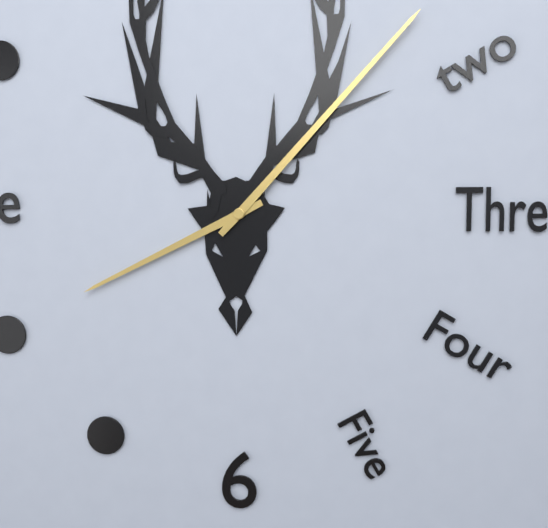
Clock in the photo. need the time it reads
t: 8:07
